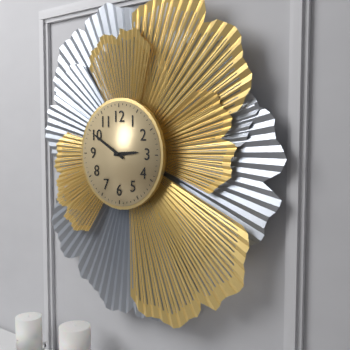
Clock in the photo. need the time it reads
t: 2:50
